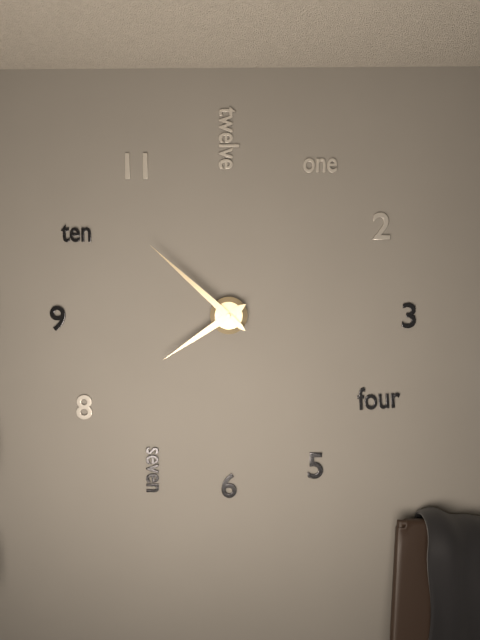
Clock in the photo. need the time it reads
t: 7:52
